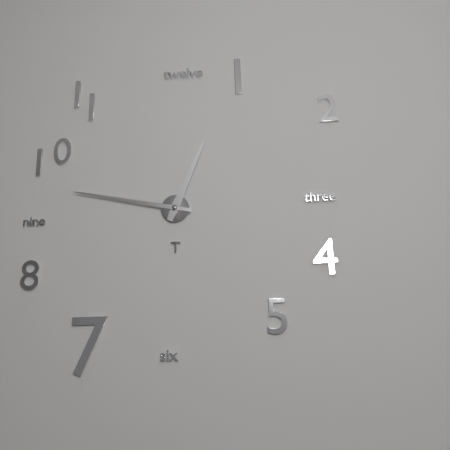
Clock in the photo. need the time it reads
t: 12:47
